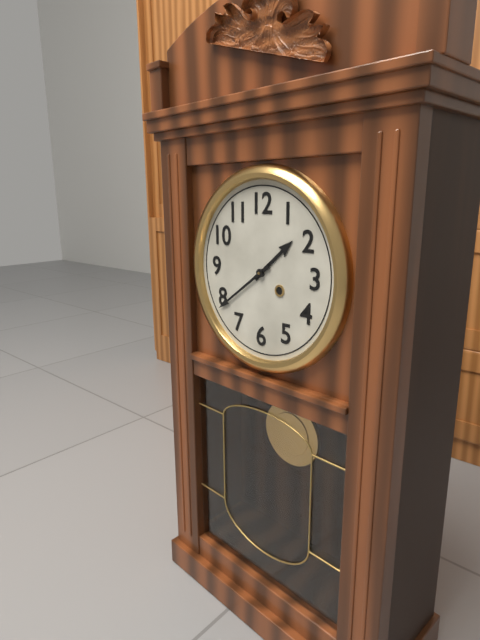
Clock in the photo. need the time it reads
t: 1:39
